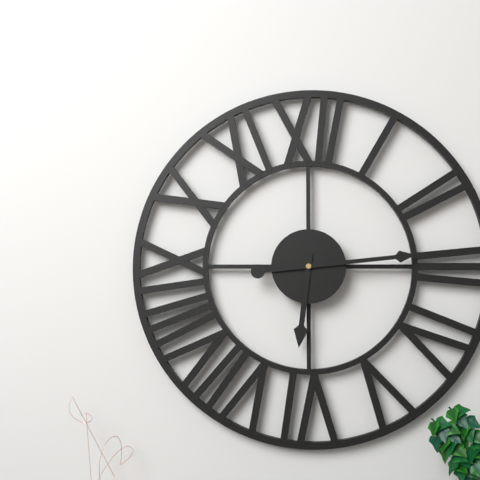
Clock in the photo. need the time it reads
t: 6:14
